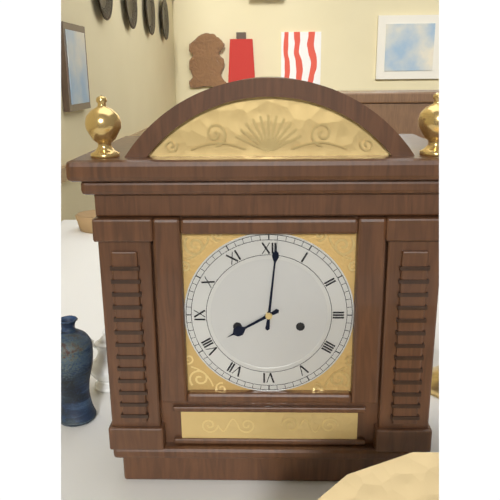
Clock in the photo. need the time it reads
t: 8:01
